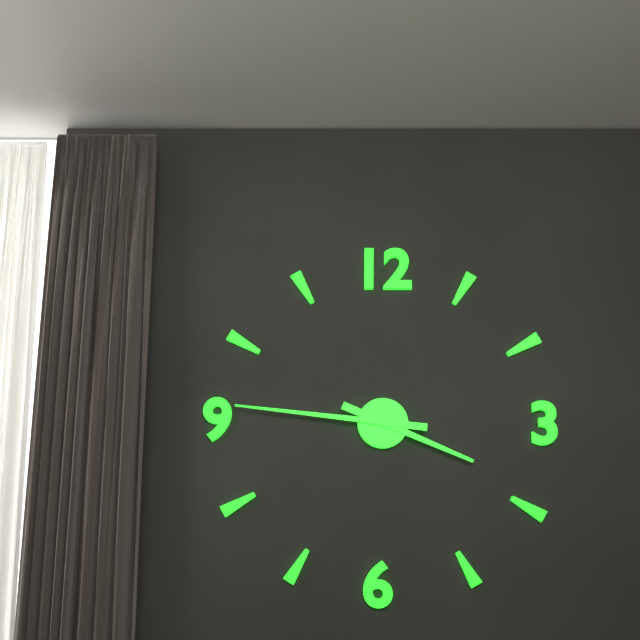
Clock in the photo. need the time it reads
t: 3:46
